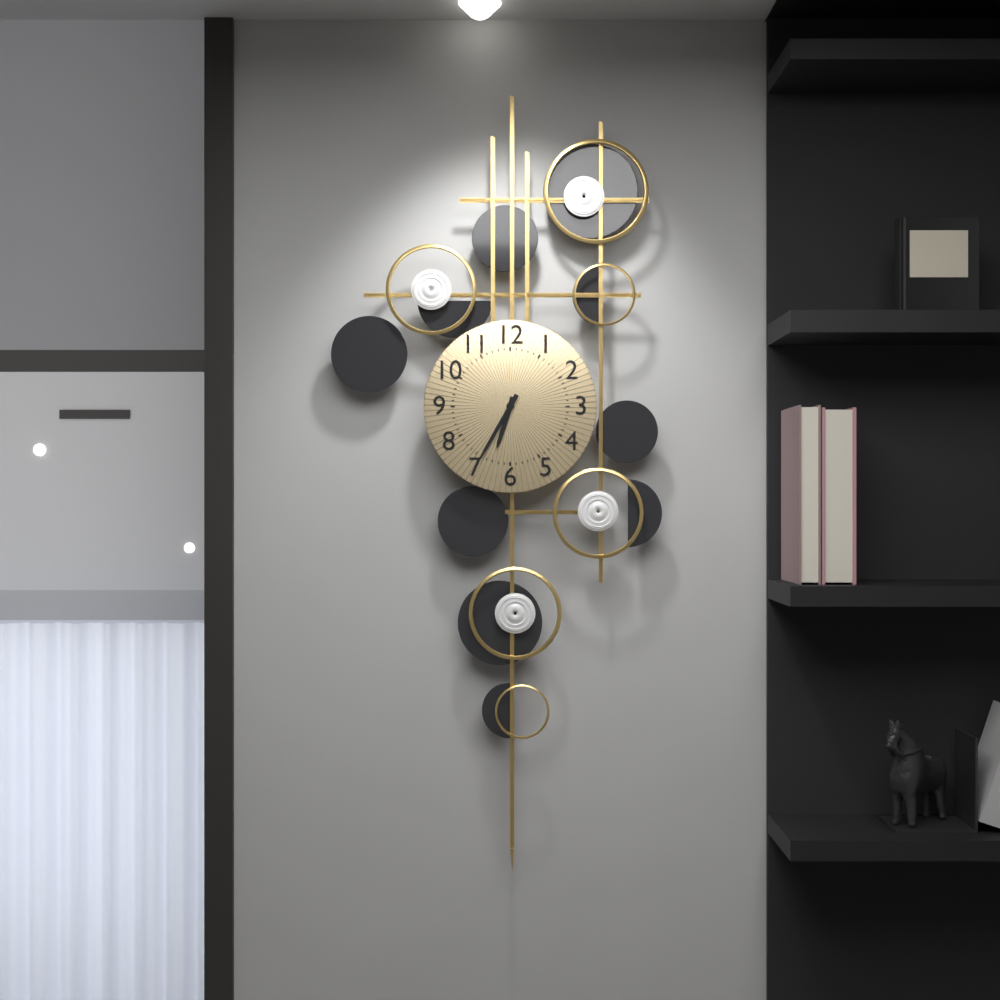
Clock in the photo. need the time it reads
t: 6:35
